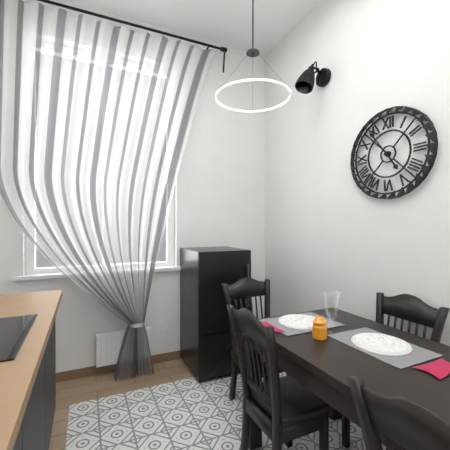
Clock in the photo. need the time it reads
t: 4:54
